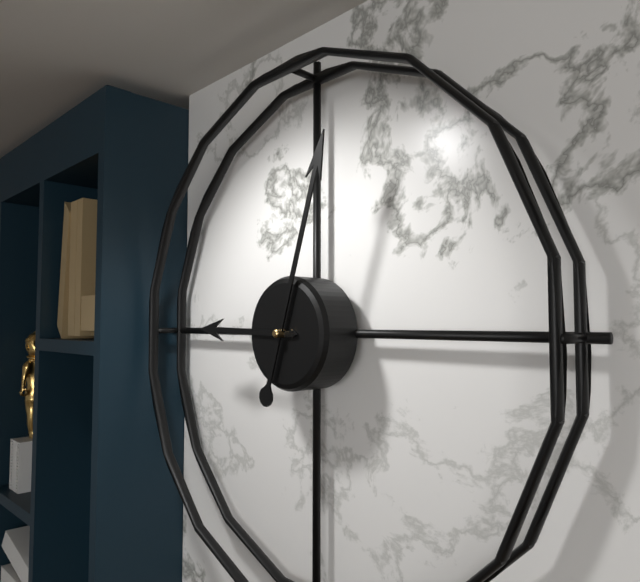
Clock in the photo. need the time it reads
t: 9:03
